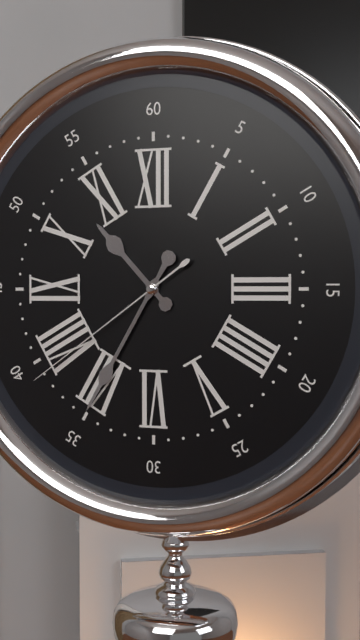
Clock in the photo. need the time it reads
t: 10:35:39
